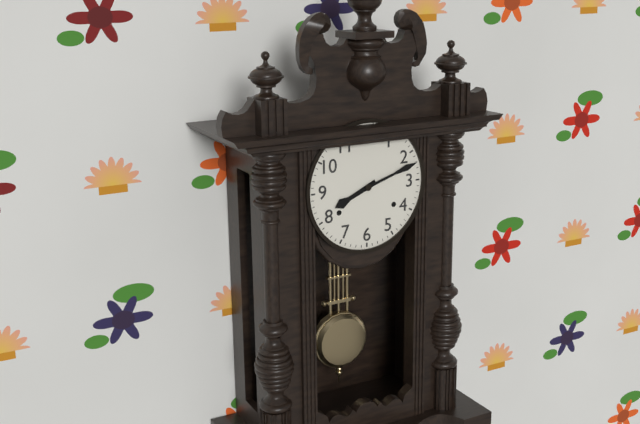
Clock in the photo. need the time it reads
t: 8:12
